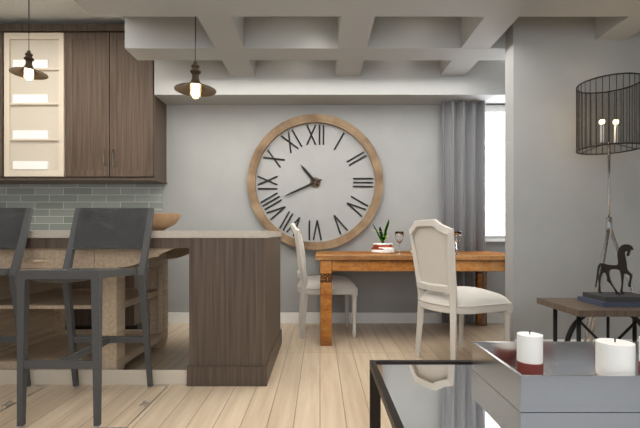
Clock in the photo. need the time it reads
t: 10:41
